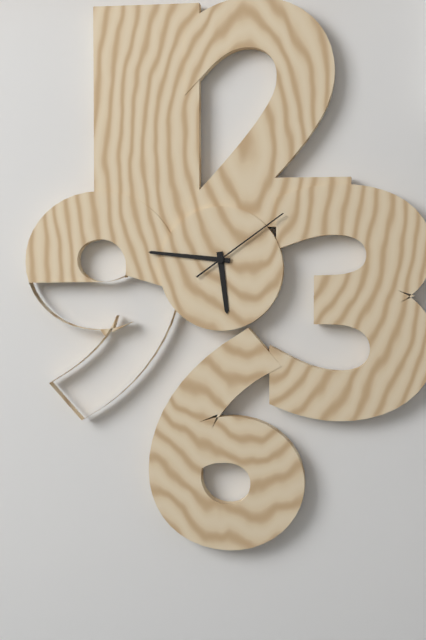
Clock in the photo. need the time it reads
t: 5:46:09
